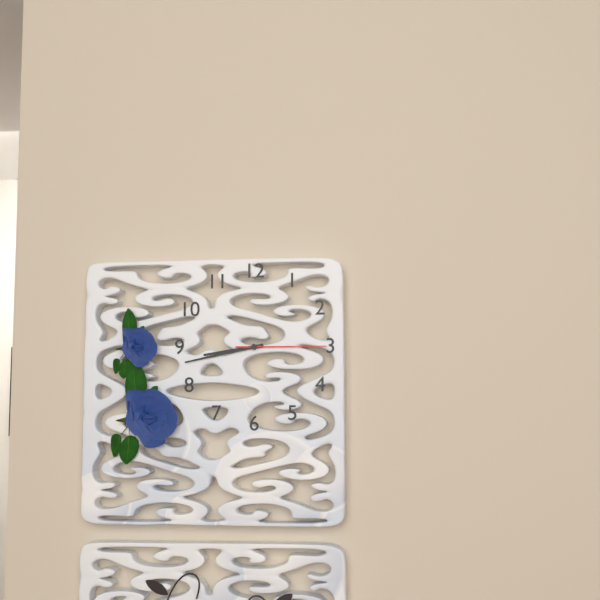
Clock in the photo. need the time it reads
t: 8:43:15
